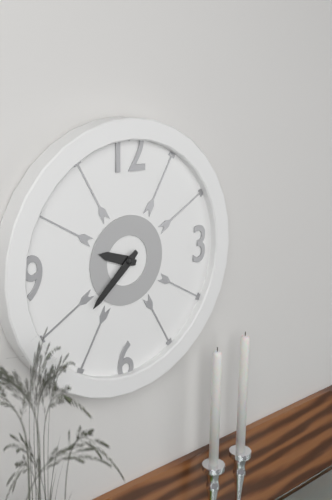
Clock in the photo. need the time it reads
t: 9:38
